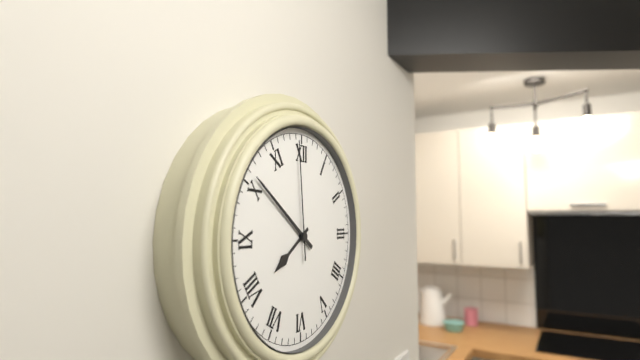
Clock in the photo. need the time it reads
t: 7:51:59
